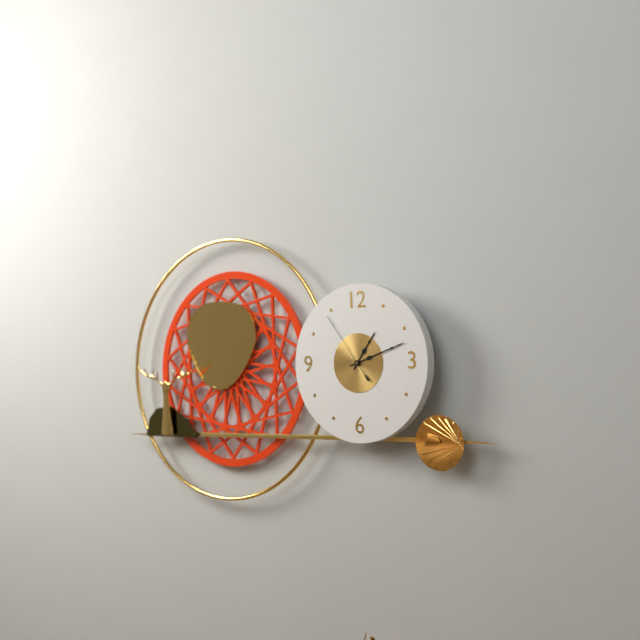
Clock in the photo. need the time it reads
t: 1:12:54
